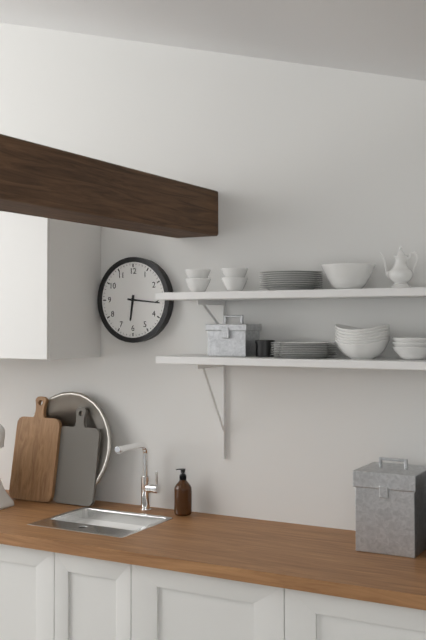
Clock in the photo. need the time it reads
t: 6:16
